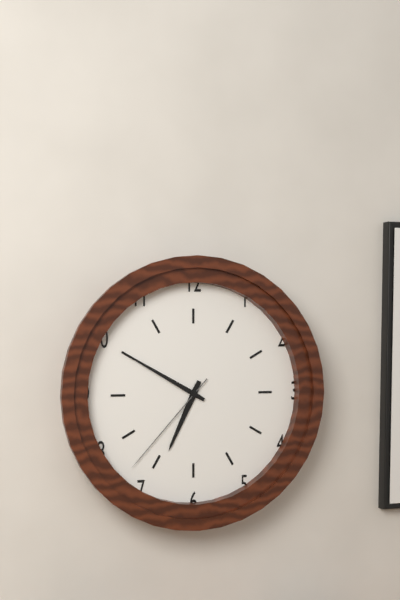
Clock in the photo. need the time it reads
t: 6:50:37
